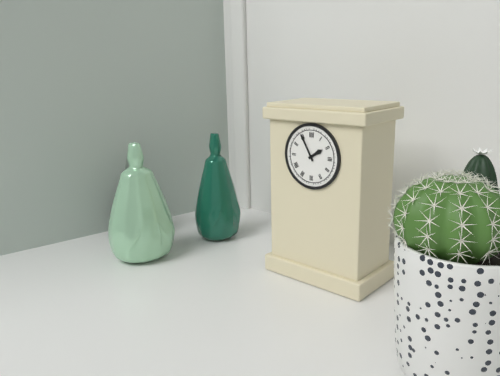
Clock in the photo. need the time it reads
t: 1:55
